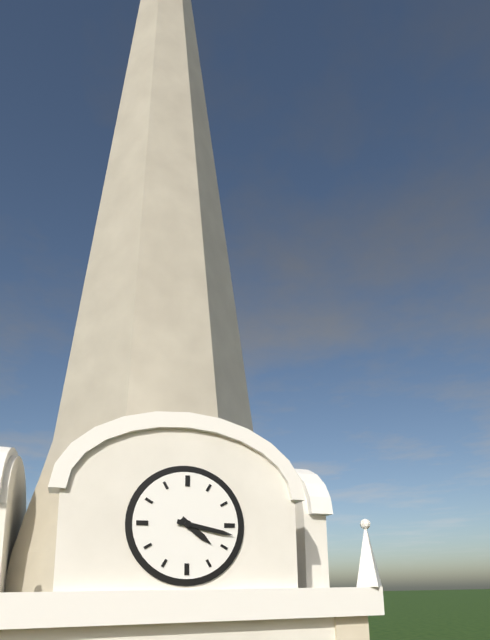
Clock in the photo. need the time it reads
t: 4:17
